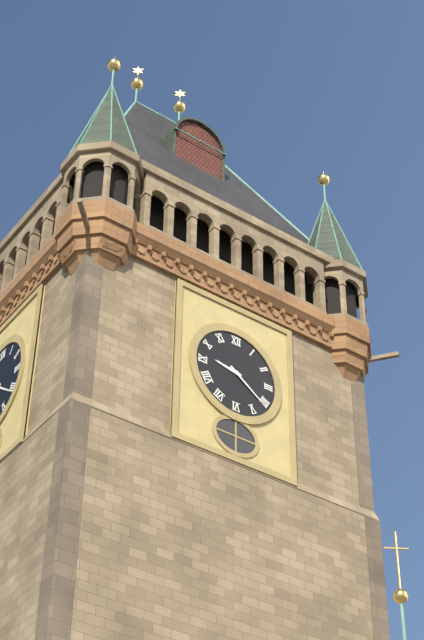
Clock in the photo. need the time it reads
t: 9:21
